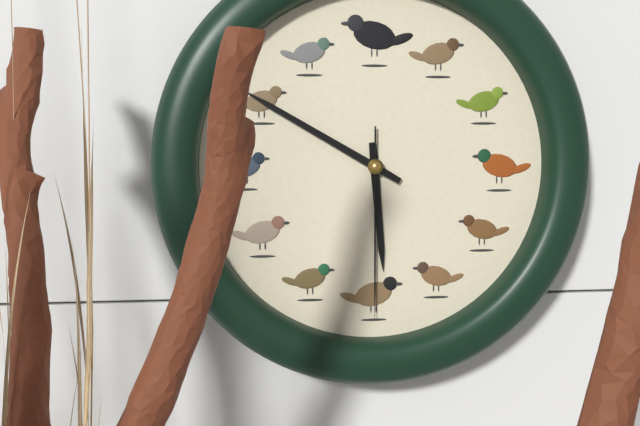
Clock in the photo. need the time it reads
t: 5:50:30
